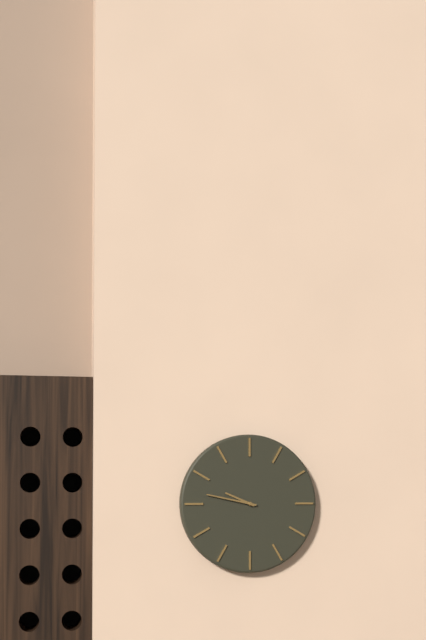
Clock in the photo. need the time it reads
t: 9:47
